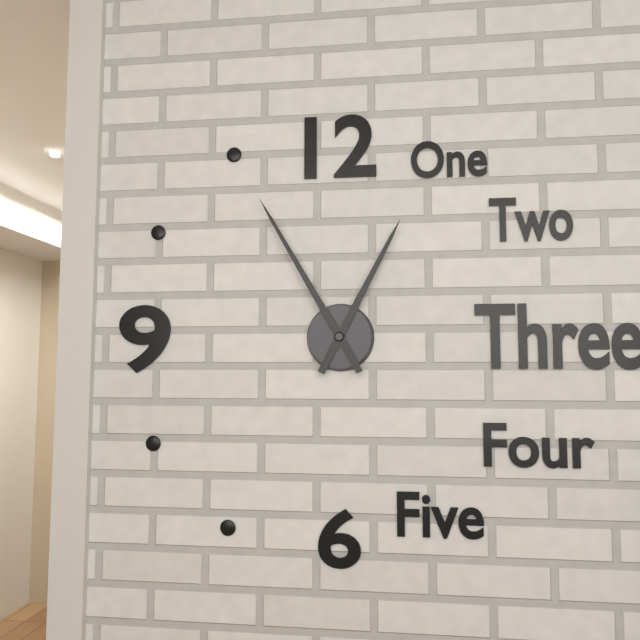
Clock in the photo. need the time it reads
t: 12:55
